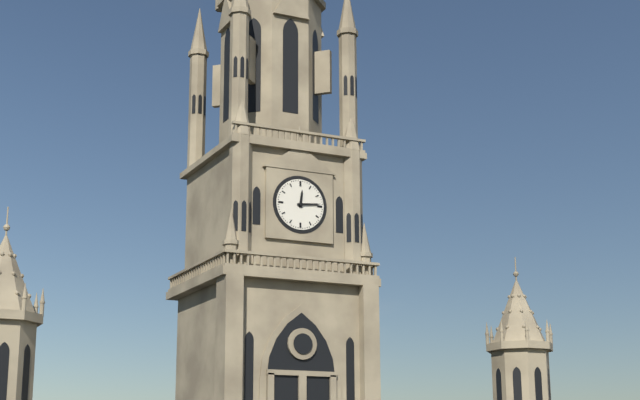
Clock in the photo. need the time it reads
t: 12:14
